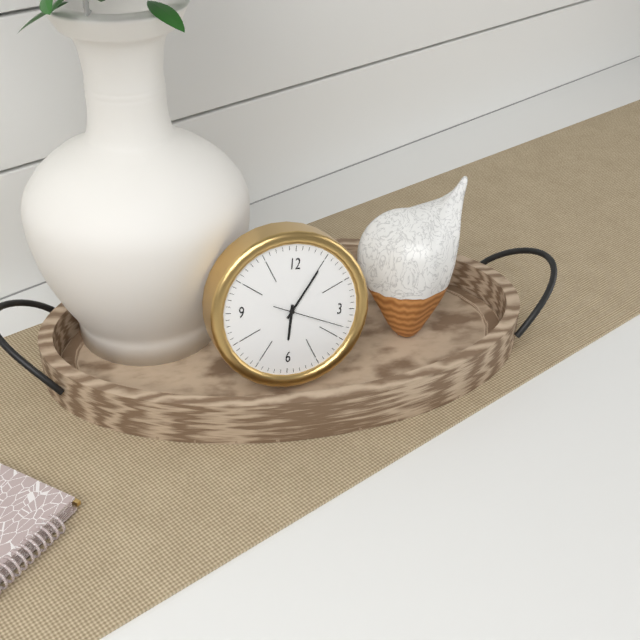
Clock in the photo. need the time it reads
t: 6:05:18
